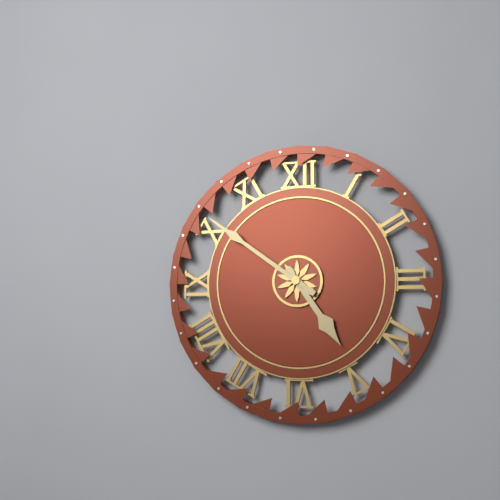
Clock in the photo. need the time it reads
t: 4:51
